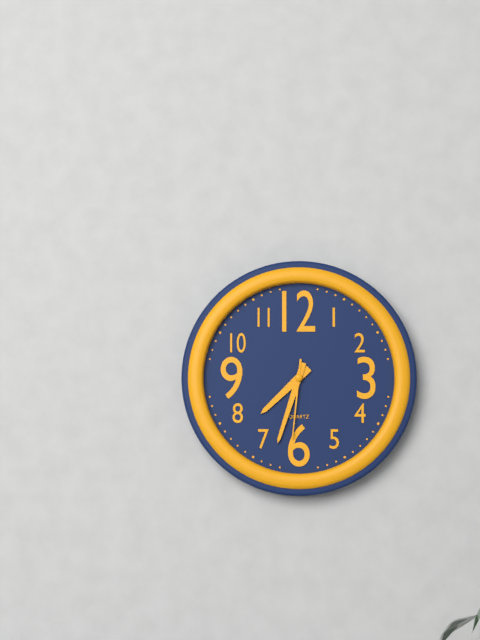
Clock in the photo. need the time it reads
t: 7:33:31
